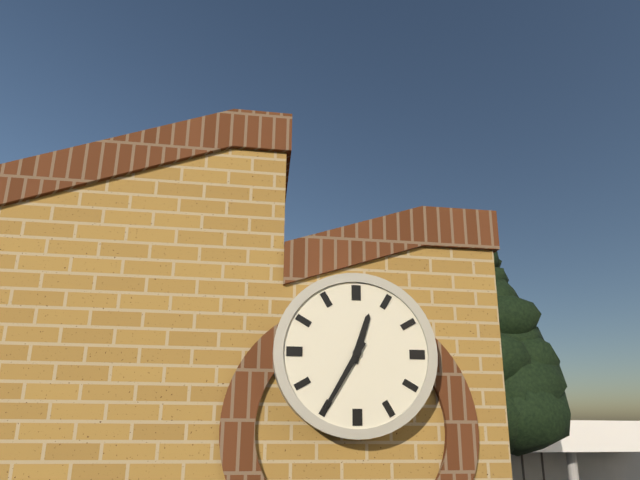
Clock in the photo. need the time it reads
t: 12:35
